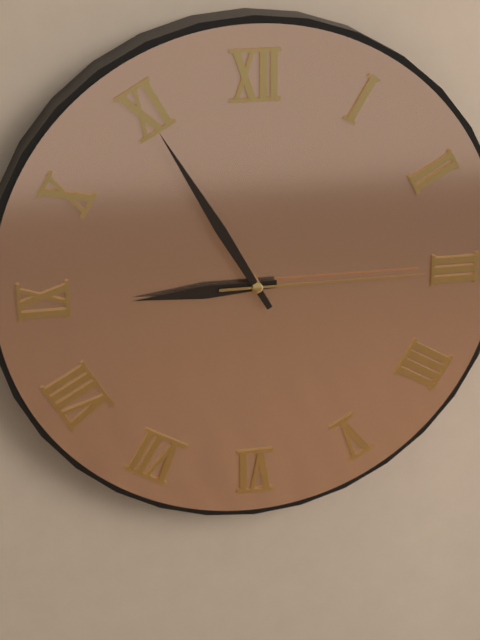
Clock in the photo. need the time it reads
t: 8:55:15
